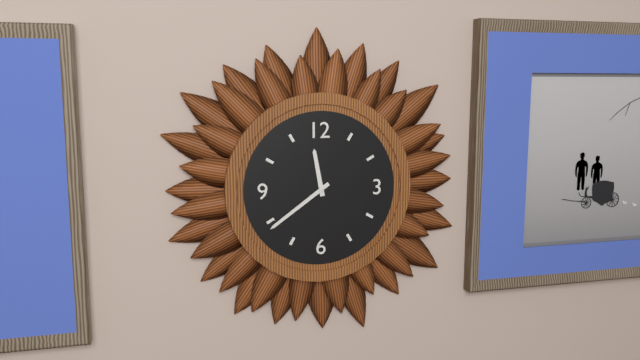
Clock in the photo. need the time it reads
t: 11:39
